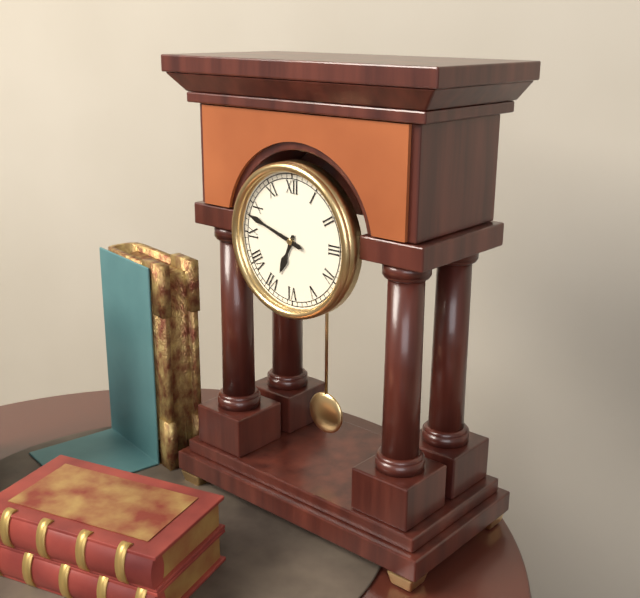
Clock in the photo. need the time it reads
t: 6:48
